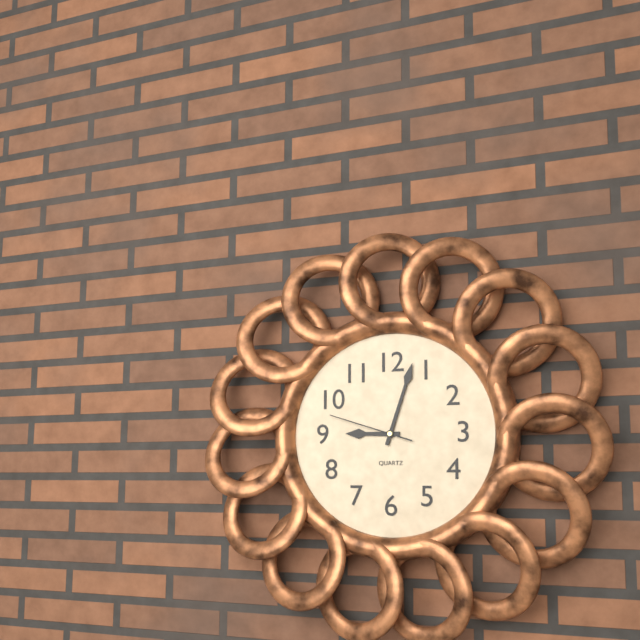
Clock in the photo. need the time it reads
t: 9:03:48
